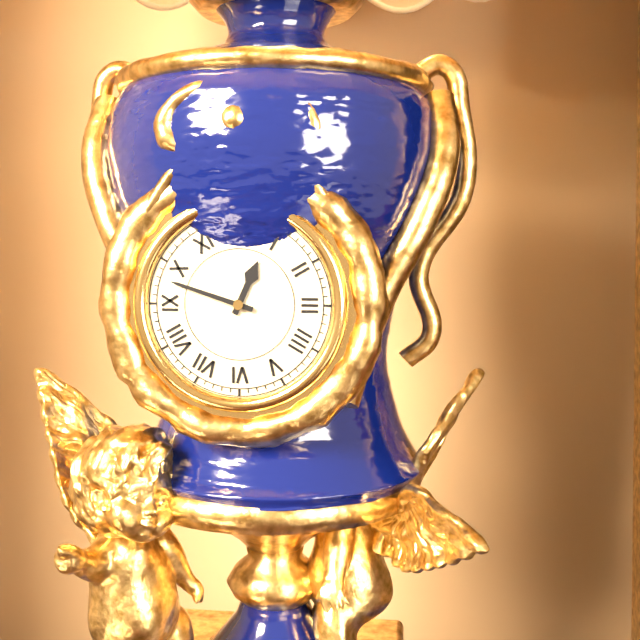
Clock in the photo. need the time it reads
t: 12:48
